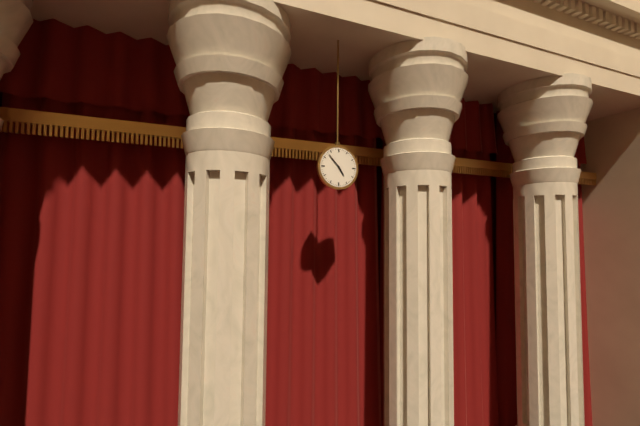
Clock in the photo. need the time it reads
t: 4:53
